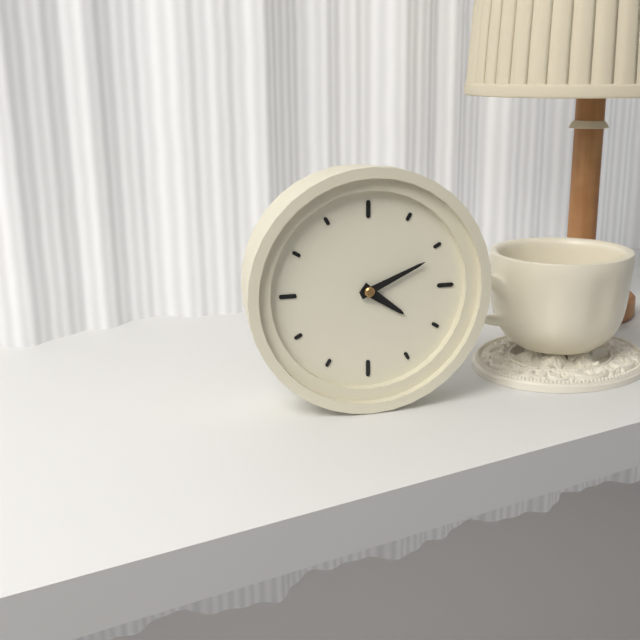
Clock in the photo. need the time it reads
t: 4:11
